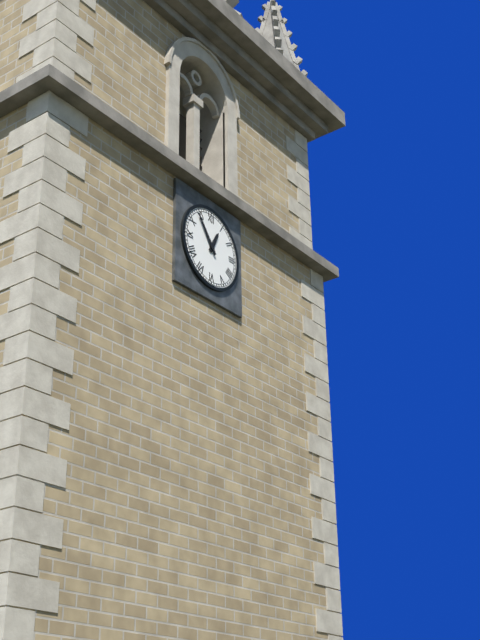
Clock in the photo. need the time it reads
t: 12:54
